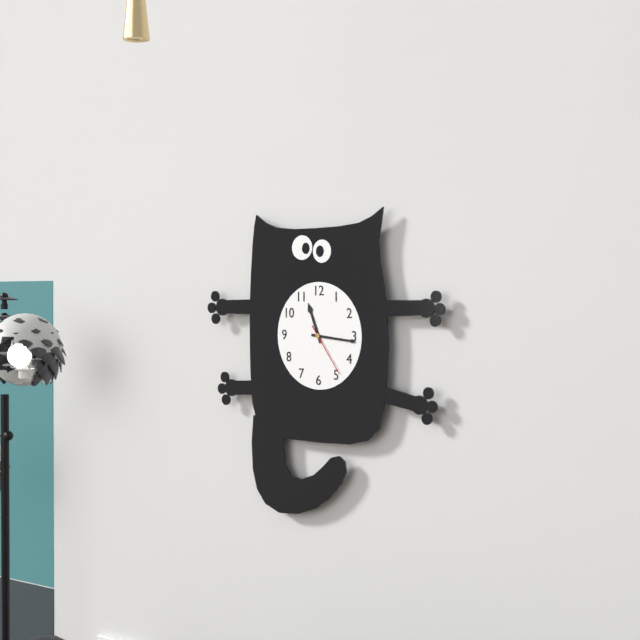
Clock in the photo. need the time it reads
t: 11:16:24
